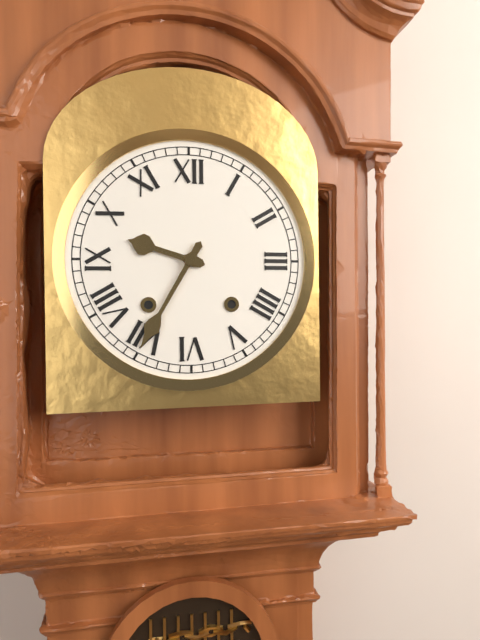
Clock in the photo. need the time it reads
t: 9:35
